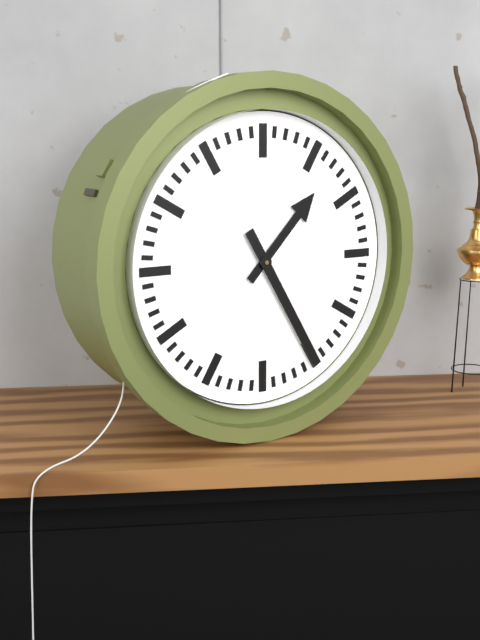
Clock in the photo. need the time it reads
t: 1:25
